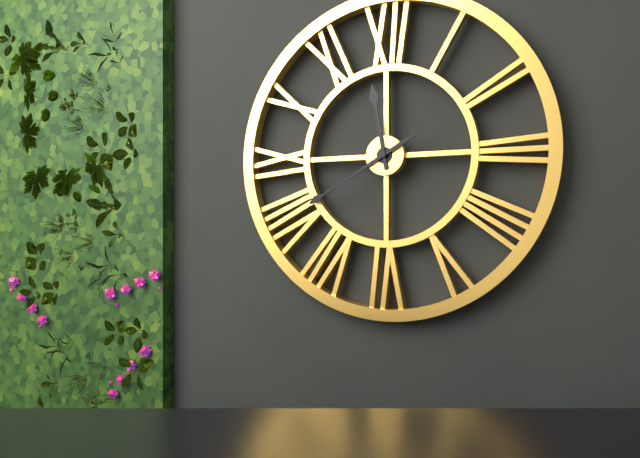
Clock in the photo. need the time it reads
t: 11:40
